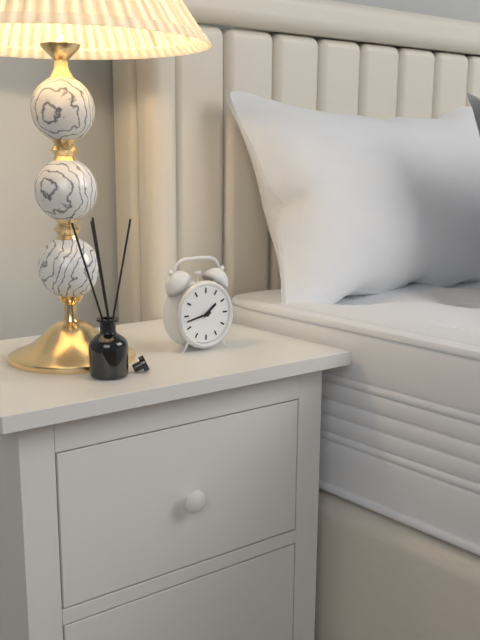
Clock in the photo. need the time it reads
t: 1:43
